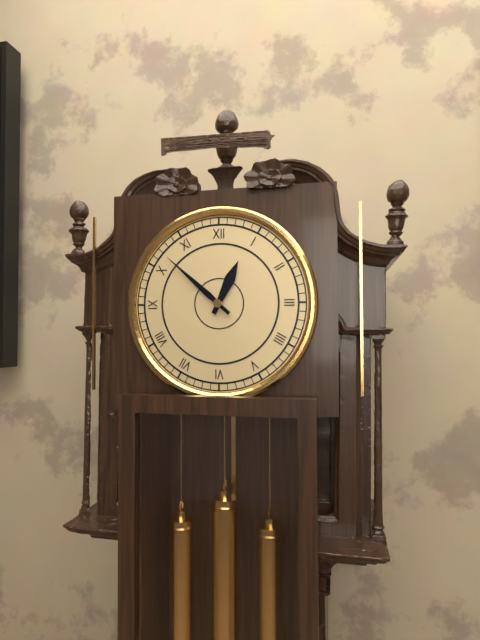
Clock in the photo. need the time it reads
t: 12:52
